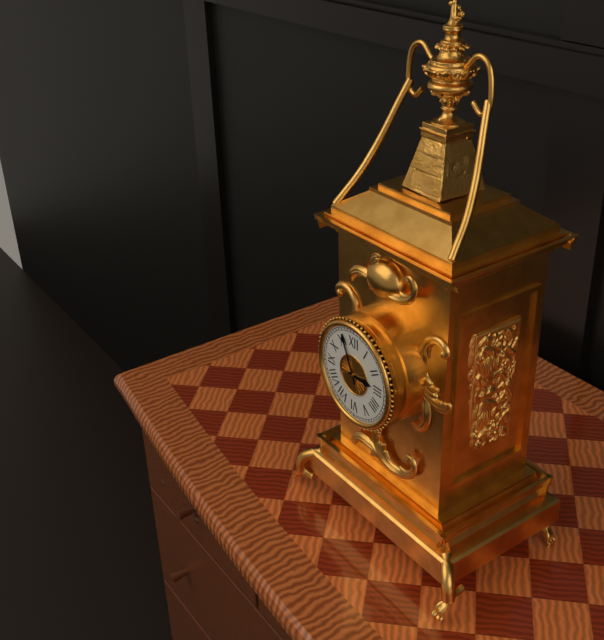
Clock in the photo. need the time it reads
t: 2:56
